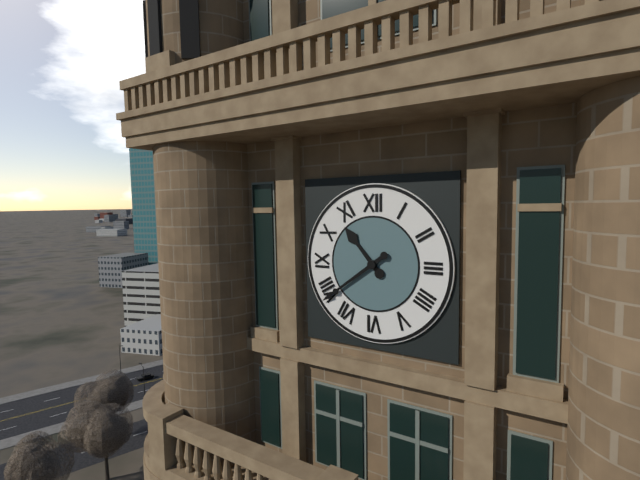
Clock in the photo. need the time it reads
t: 10:39
